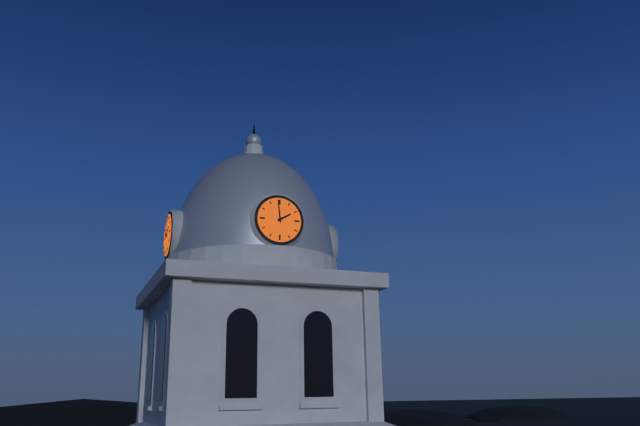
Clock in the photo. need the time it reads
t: 1:59
